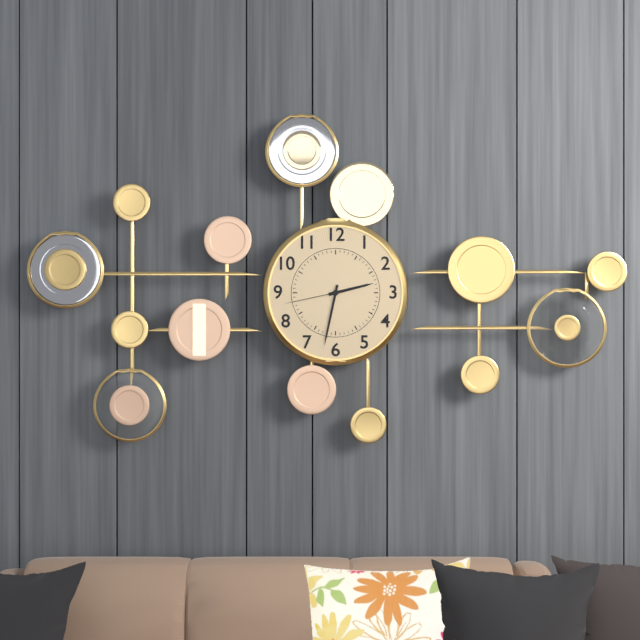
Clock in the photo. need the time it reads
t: 2:32:43
